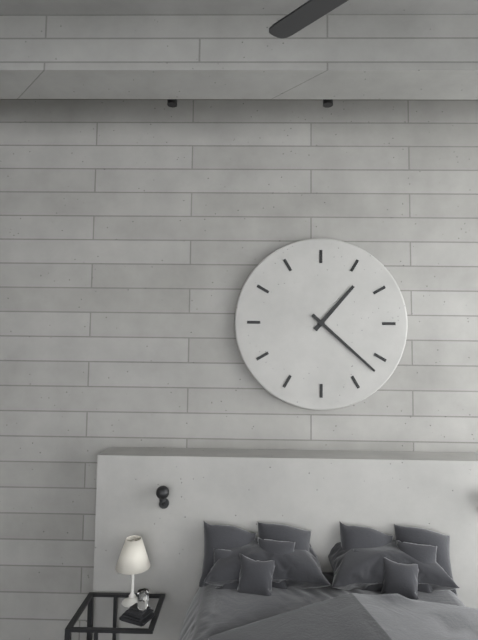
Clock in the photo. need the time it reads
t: 1:22
